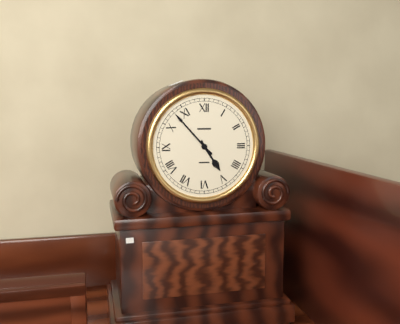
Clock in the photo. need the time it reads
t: 4:53
